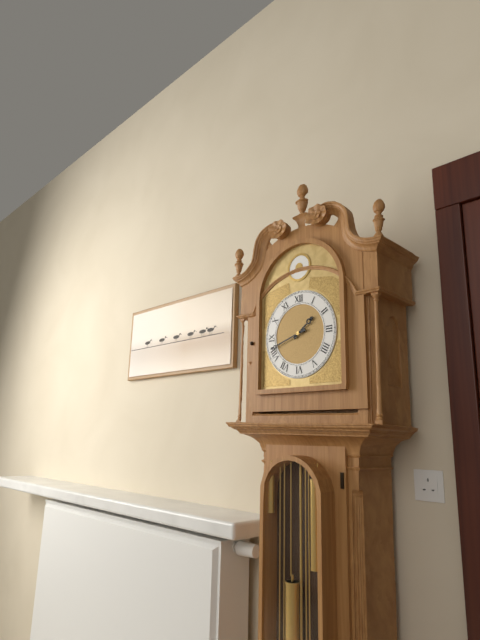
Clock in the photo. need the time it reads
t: 1:42
